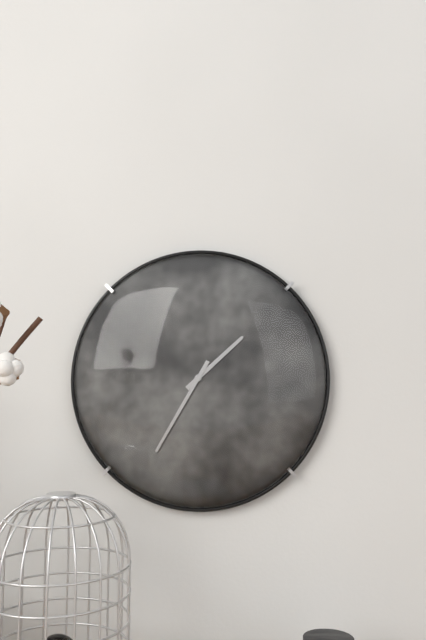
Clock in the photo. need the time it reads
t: 1:35
